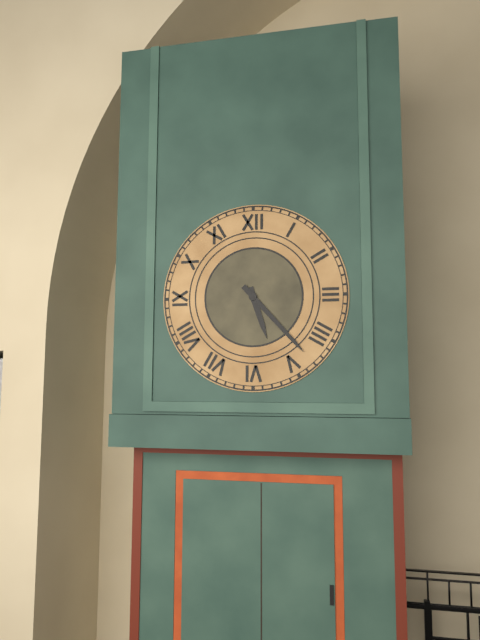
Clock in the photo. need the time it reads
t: 5:23
